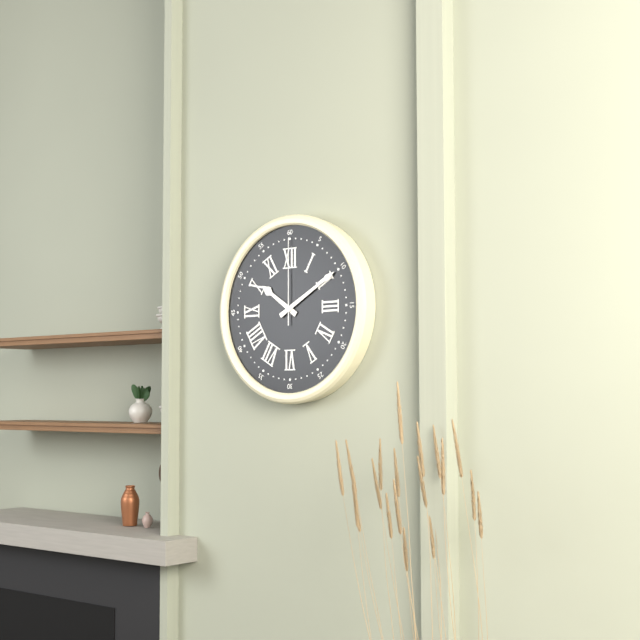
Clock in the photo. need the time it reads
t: 10:10:00
